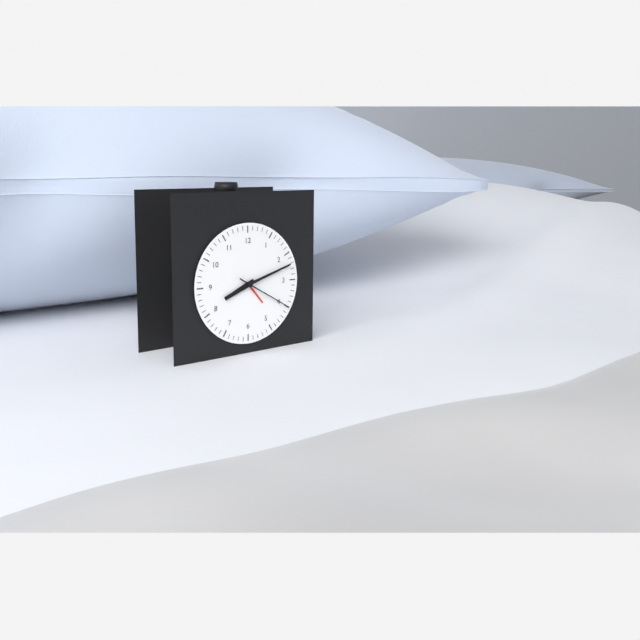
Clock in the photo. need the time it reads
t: 8:12:20
